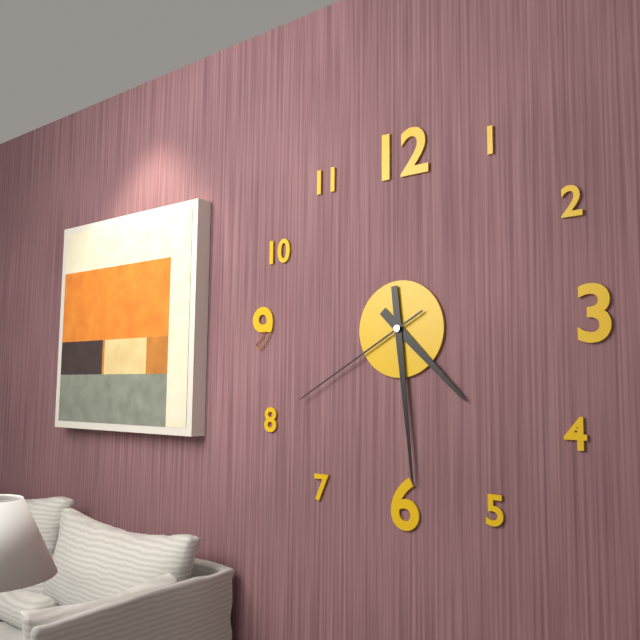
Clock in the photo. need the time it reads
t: 4:29:40
